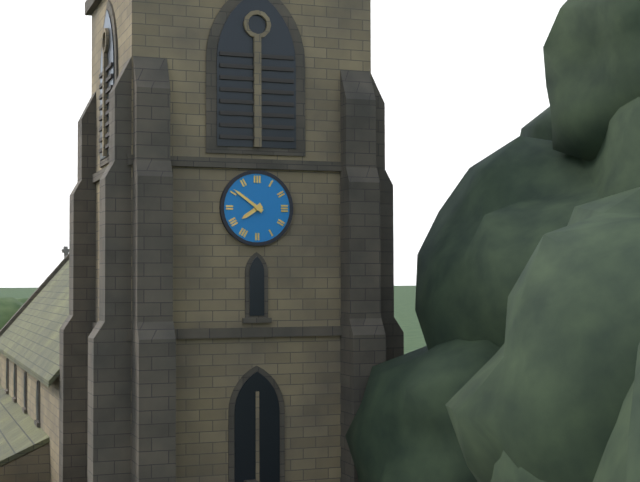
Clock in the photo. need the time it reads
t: 7:51
